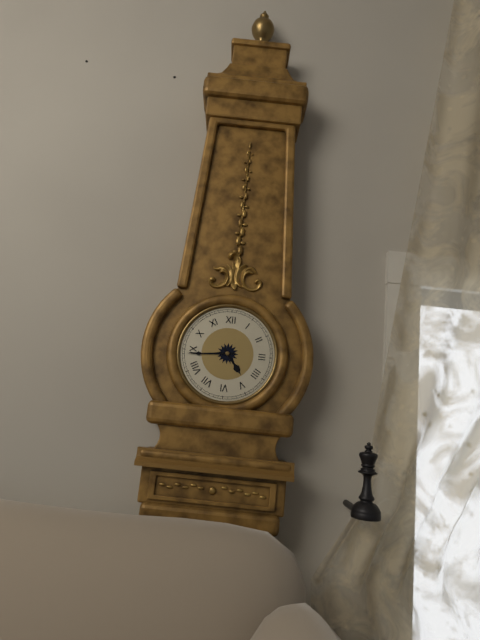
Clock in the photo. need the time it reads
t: 4:44
